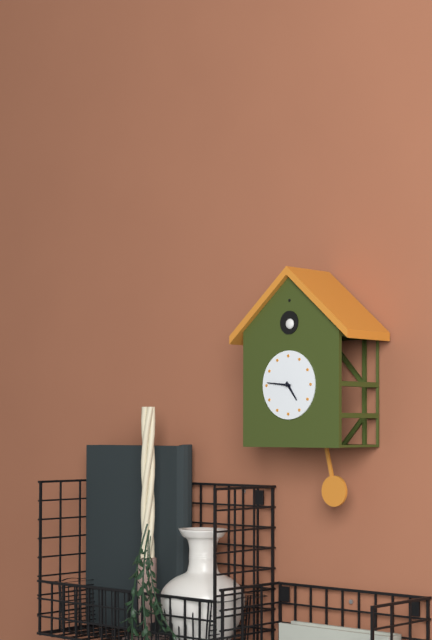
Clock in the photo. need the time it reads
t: 4:46
